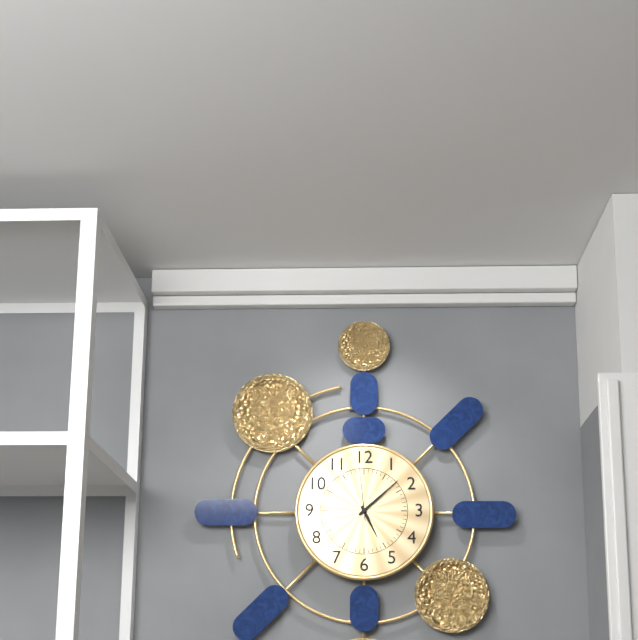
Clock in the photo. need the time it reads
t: 5:08:59
